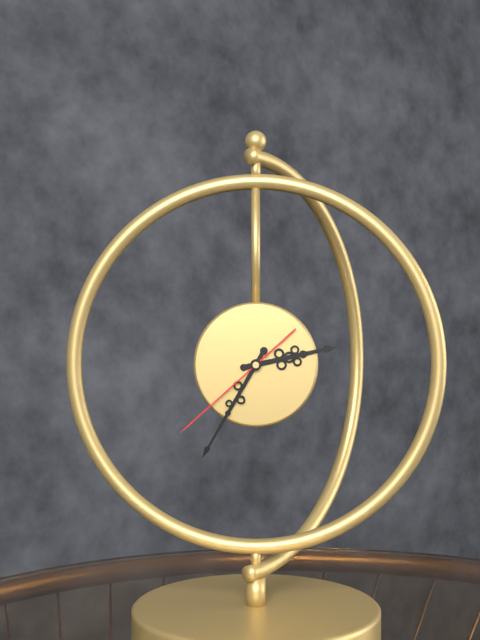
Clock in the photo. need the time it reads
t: 2:35:38
